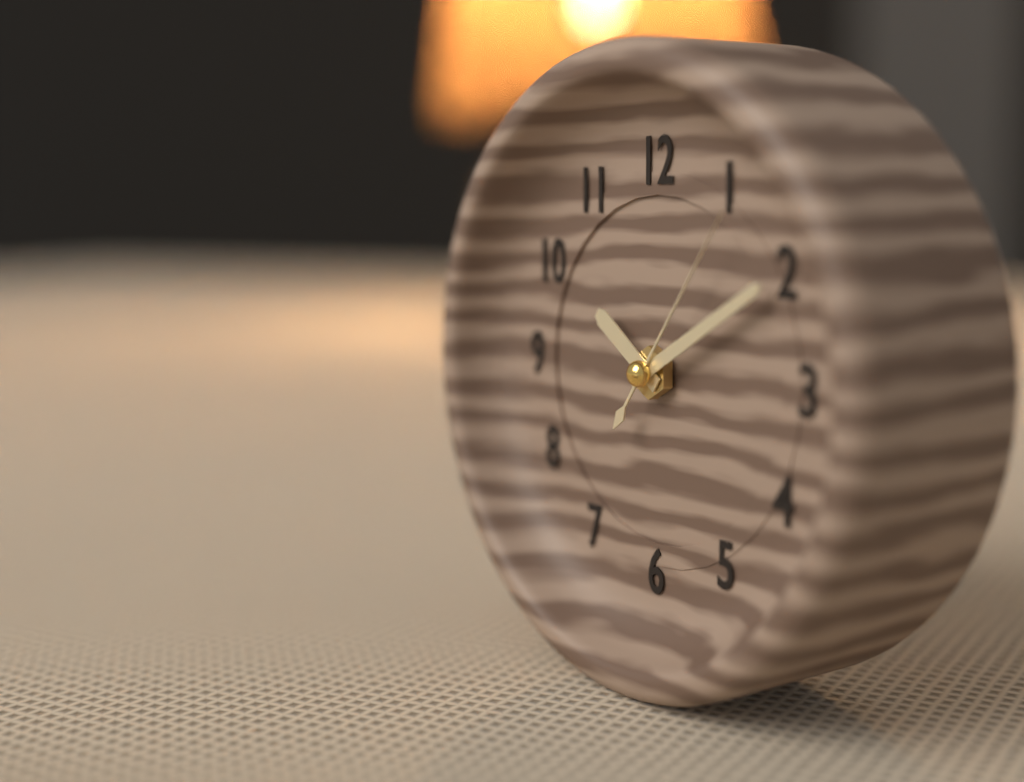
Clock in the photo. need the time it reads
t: 10:10:06
